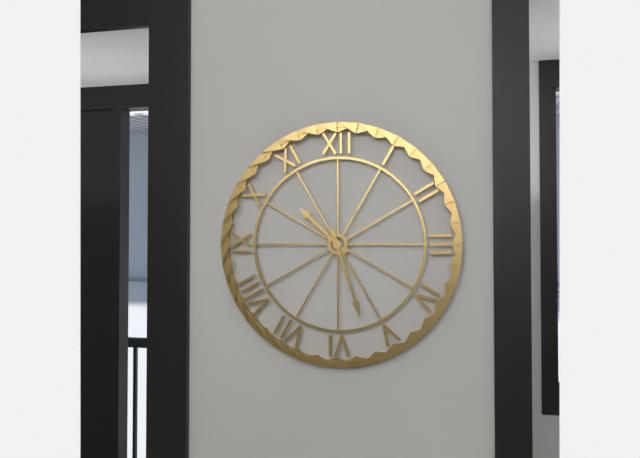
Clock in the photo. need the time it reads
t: 10:27
